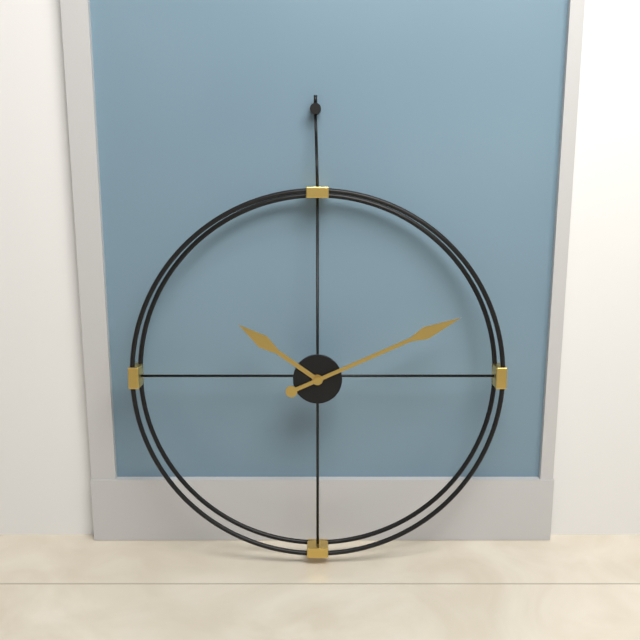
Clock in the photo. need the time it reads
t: 10:11
